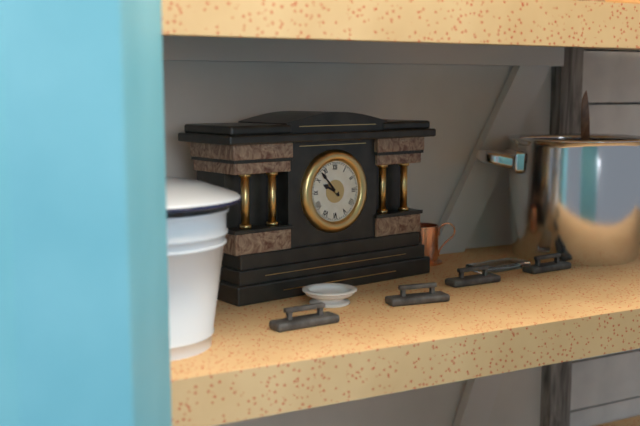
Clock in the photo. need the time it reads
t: 9:53
